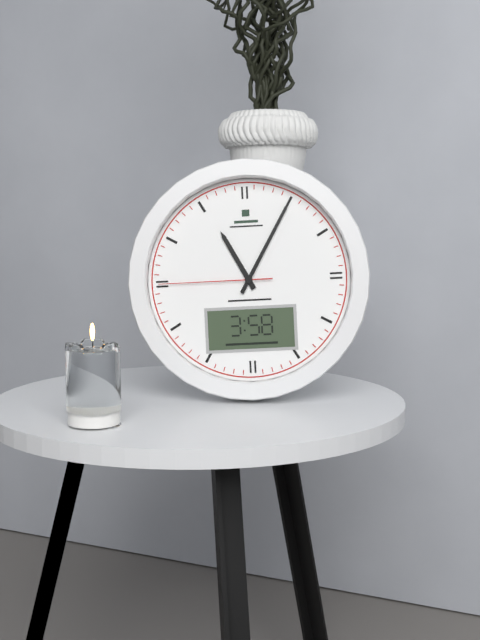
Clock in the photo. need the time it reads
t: 11:05:45
